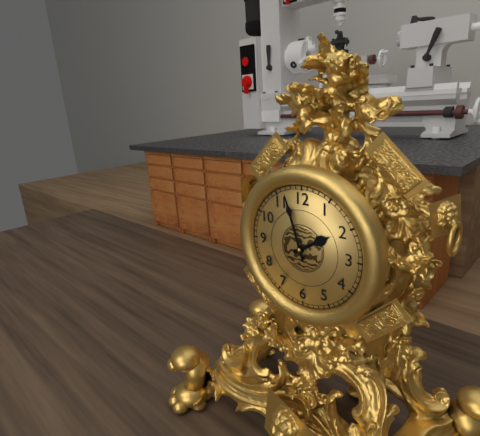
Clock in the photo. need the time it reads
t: 1:57
